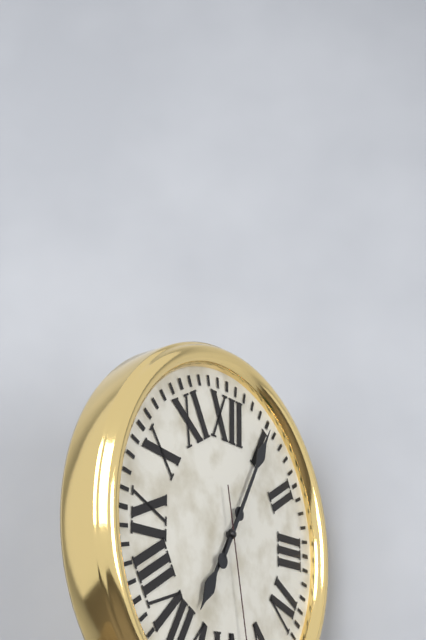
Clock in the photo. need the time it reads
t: 7:05
